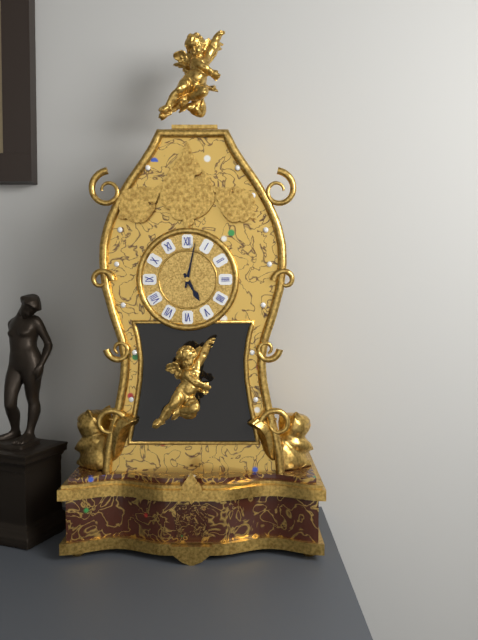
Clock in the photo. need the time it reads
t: 5:02
